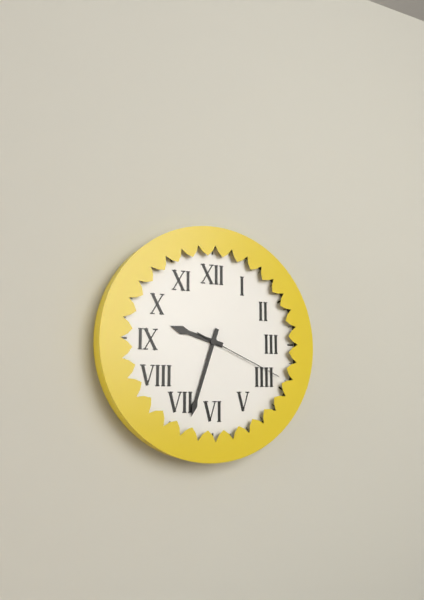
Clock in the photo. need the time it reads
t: 9:33:19
